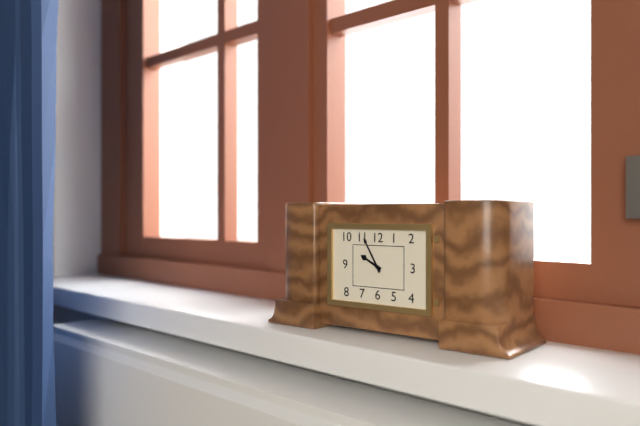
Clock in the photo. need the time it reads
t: 9:55
